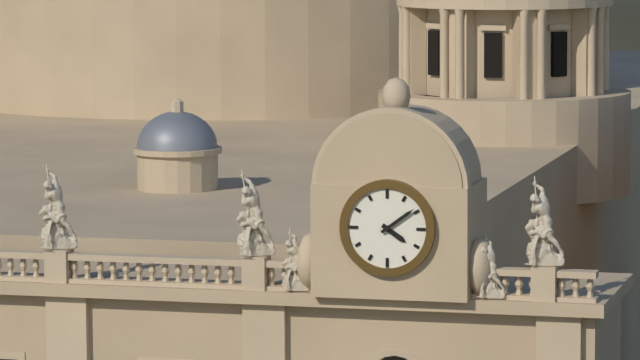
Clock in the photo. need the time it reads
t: 4:09
